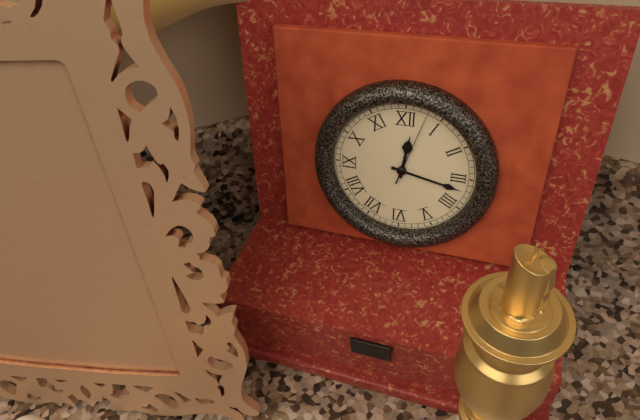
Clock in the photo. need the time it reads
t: 12:17:03
